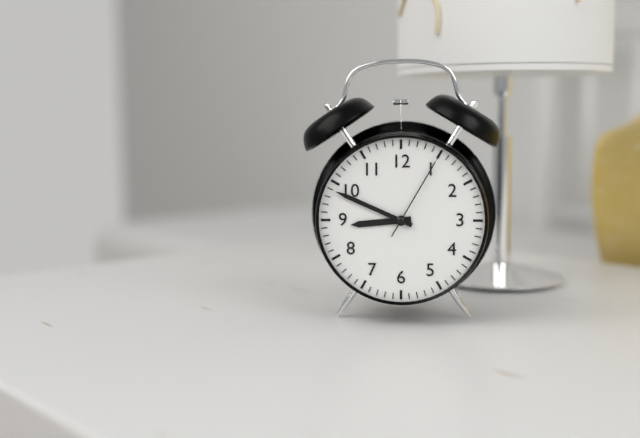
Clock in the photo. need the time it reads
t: 8:49:05
